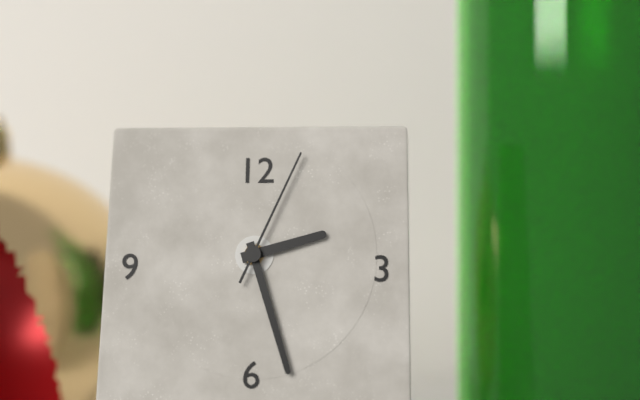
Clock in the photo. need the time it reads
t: 2:27:04
